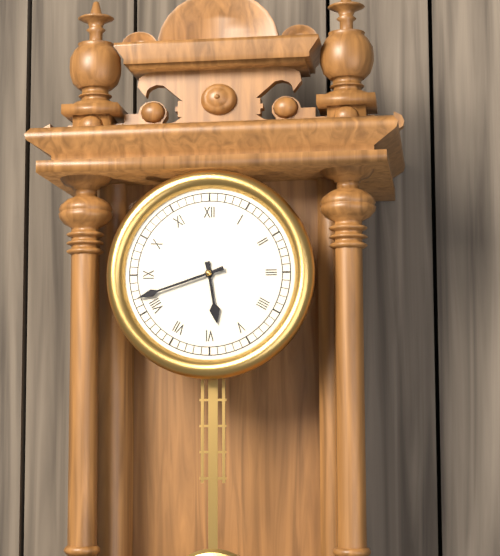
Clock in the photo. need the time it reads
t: 5:42
